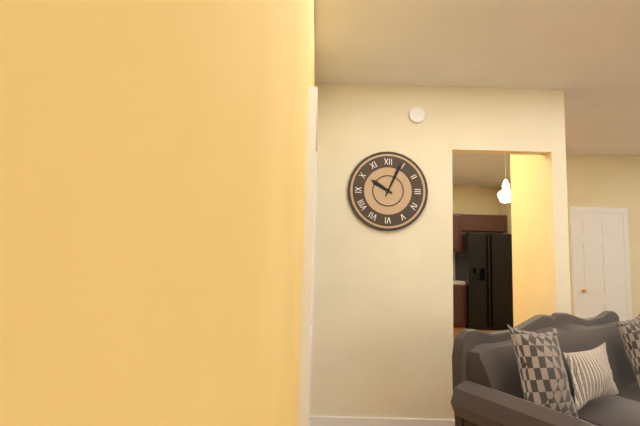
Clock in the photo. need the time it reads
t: 10:04
